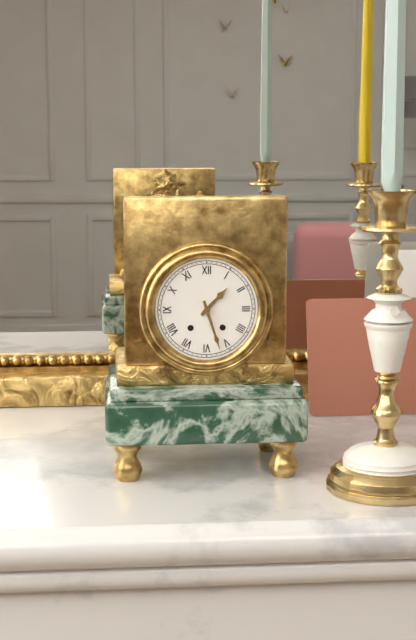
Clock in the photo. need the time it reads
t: 1:27
